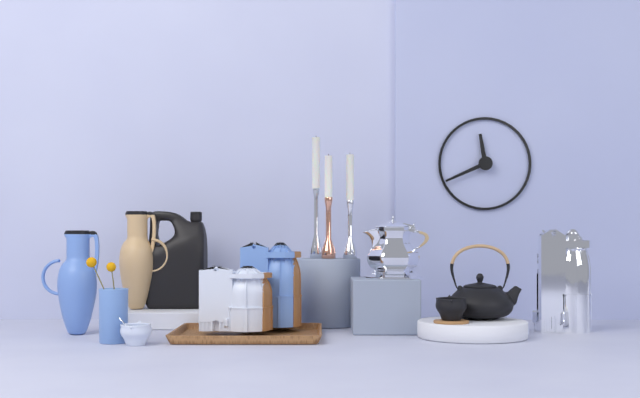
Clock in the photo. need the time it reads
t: 11:41
